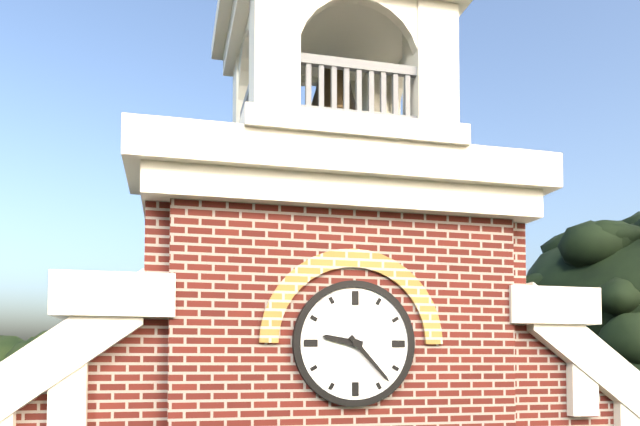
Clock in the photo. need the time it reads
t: 9:23
